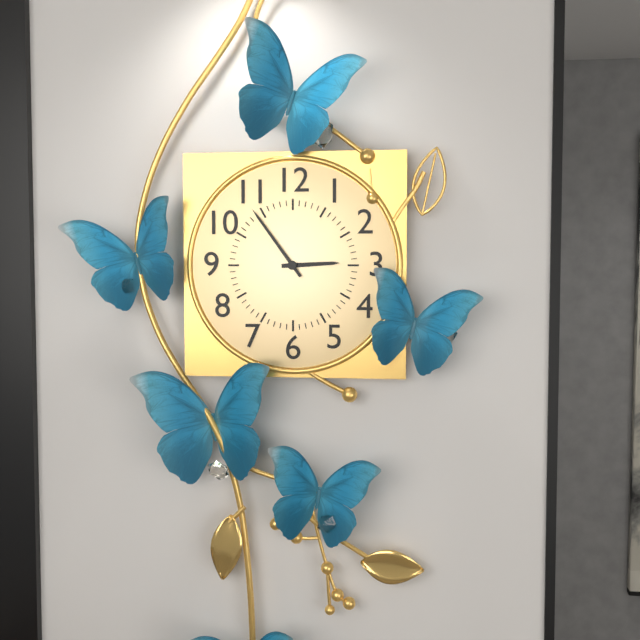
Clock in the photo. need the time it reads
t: 2:54
